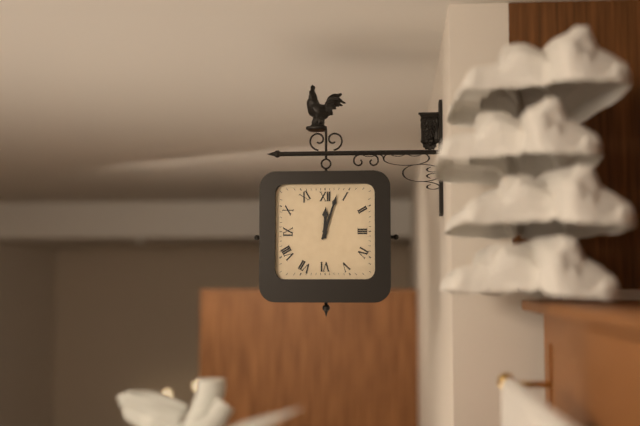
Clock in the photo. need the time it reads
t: 12:03
